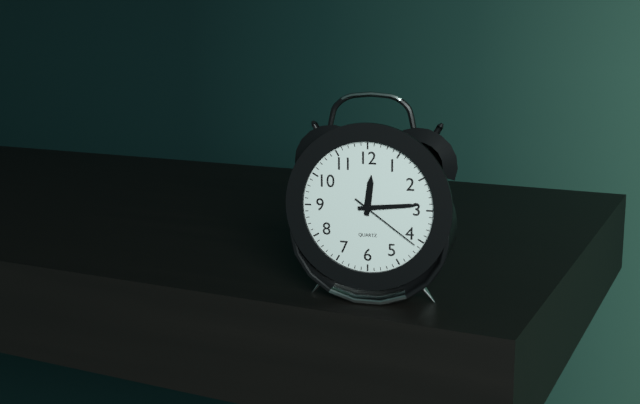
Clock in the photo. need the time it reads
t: 12:14:21
